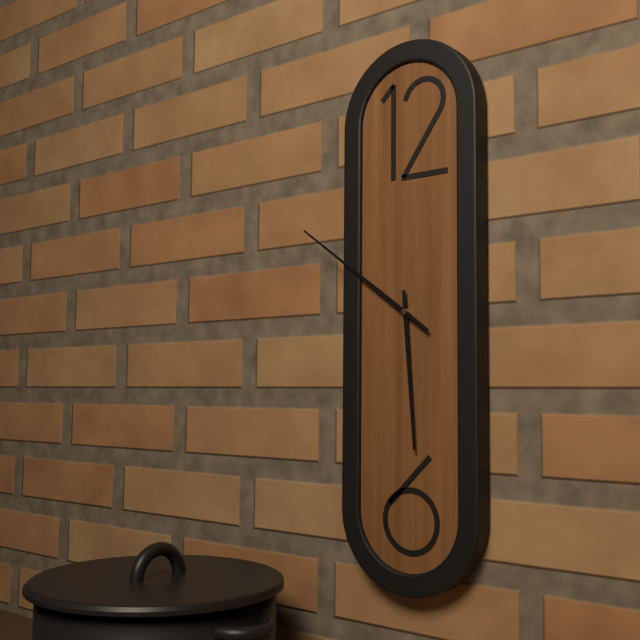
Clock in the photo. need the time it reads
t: 5:51
